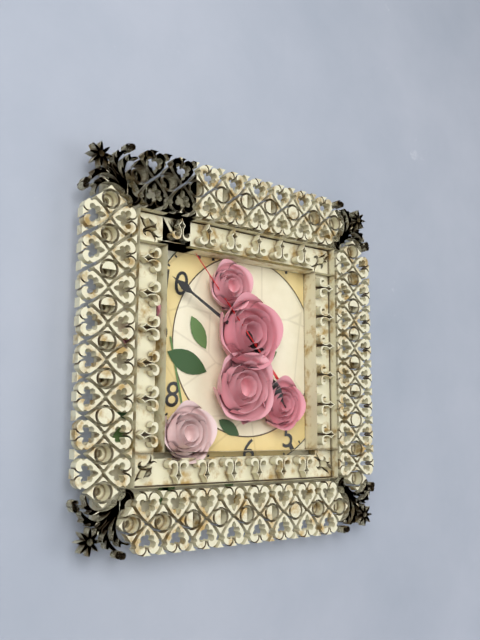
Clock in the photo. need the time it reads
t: 4:50:53
